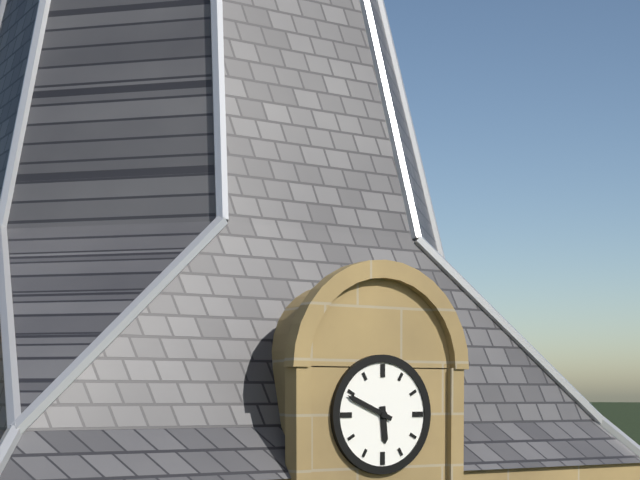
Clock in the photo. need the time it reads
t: 5:49
